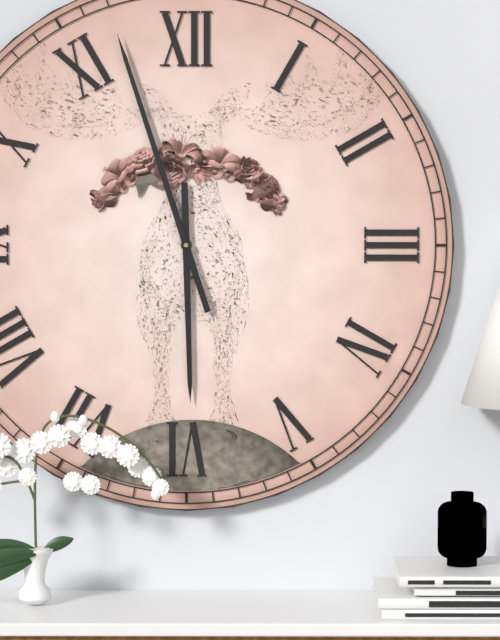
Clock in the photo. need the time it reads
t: 5:57
